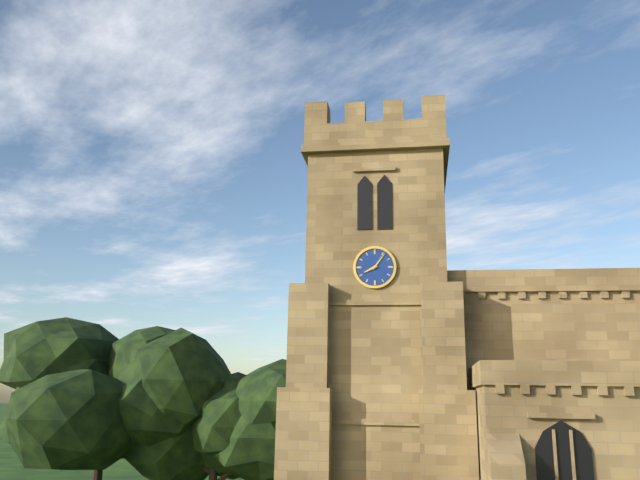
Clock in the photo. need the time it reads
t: 8:06
